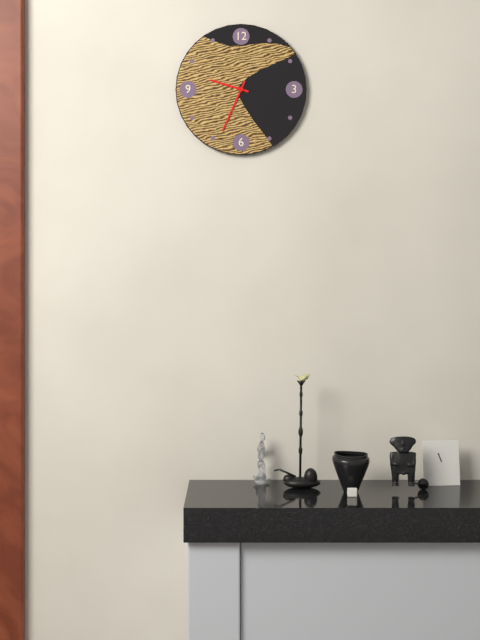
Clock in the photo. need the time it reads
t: 9:34
